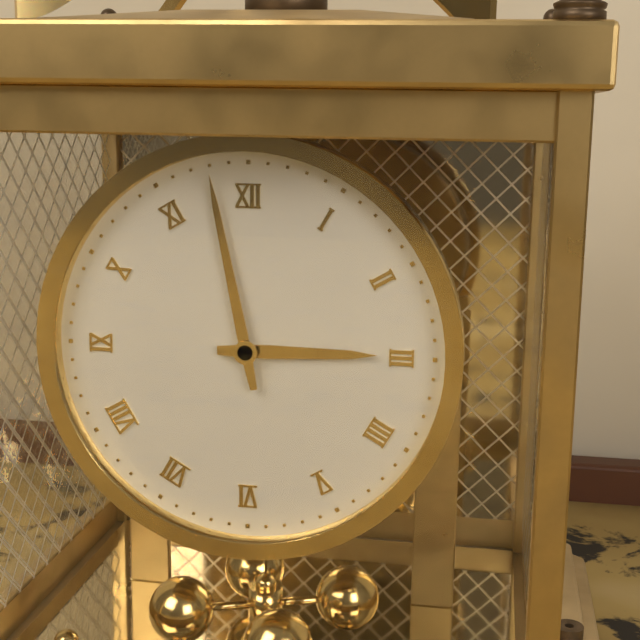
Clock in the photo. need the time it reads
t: 2:58
